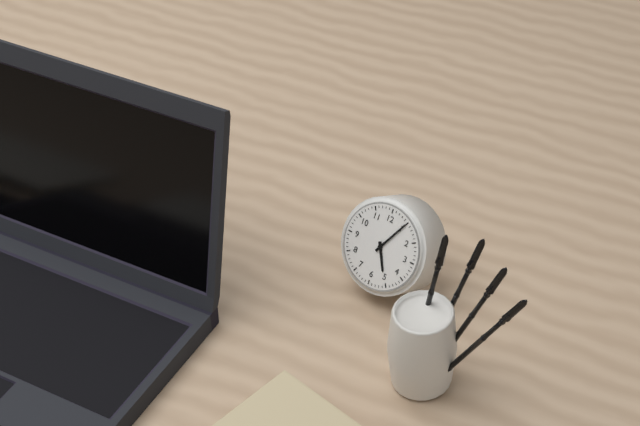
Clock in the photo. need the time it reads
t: 5:05
